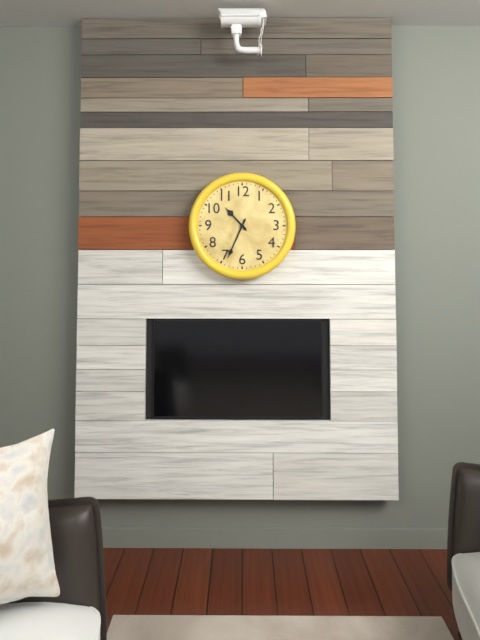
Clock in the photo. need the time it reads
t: 10:34
